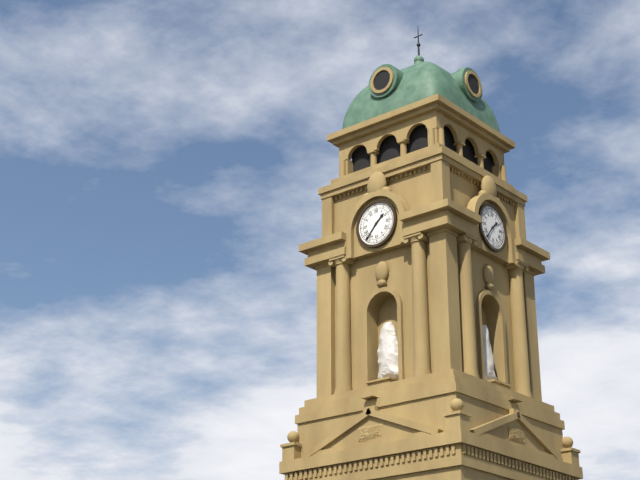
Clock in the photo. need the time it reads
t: 1:37
